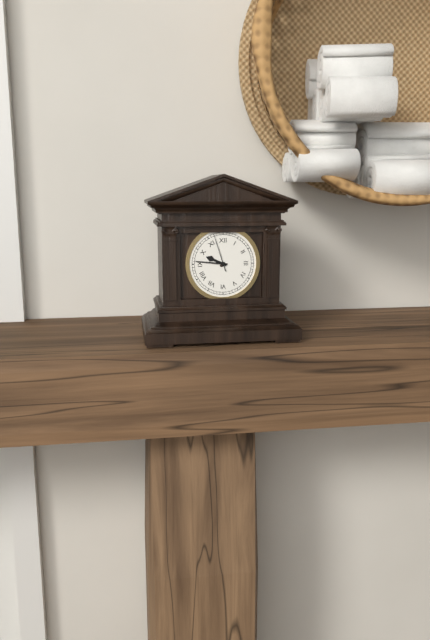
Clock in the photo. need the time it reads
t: 9:46
